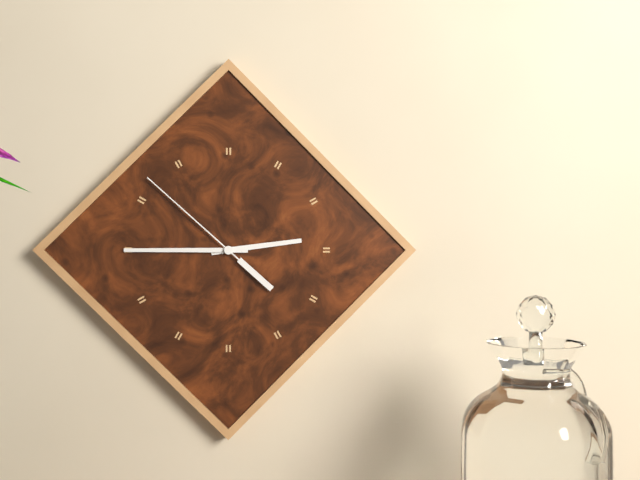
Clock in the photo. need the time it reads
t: 2:45:52
